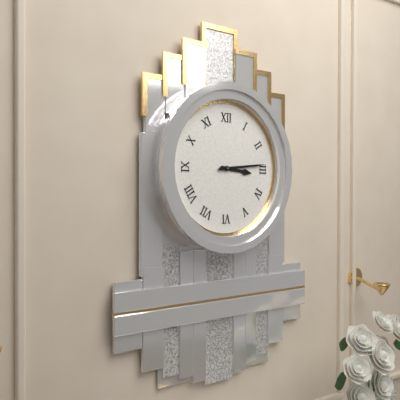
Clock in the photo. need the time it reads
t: 3:14
